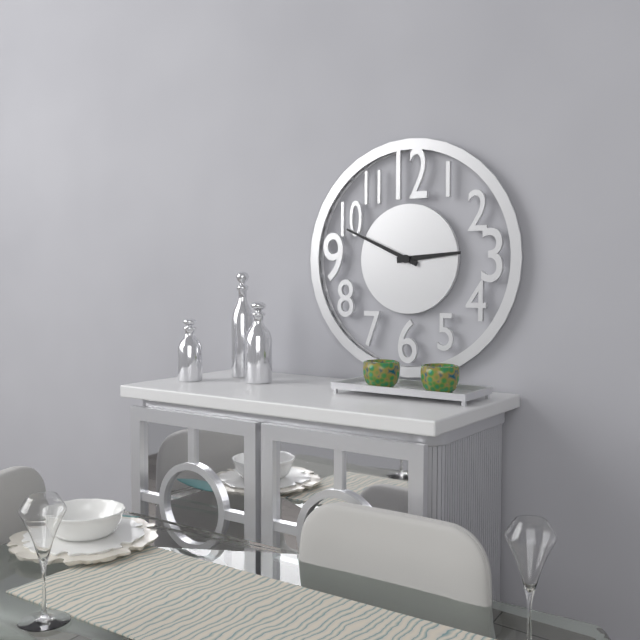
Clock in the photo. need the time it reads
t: 2:49
